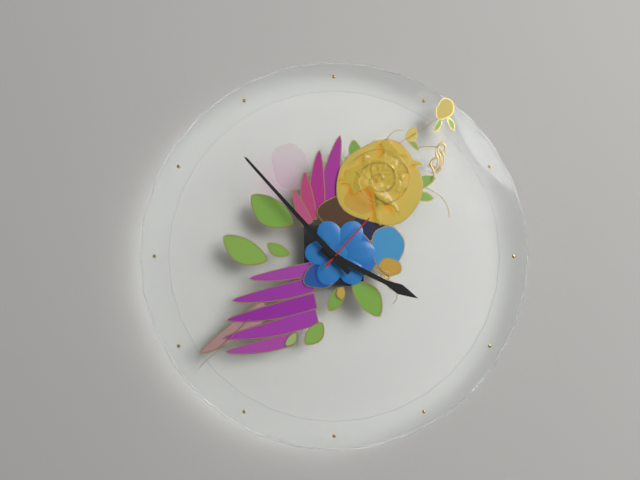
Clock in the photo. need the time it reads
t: 3:53:07
